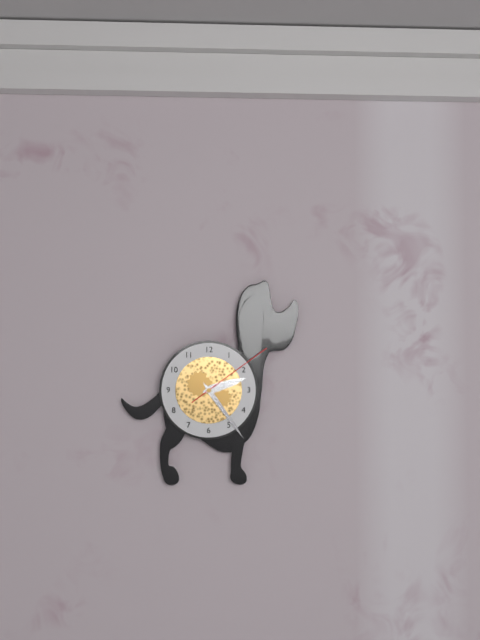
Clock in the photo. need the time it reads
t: 2:24:09
